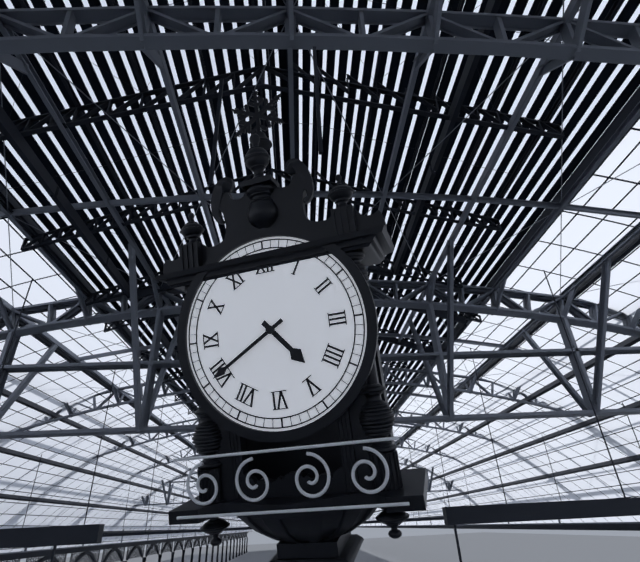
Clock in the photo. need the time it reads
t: 4:40
